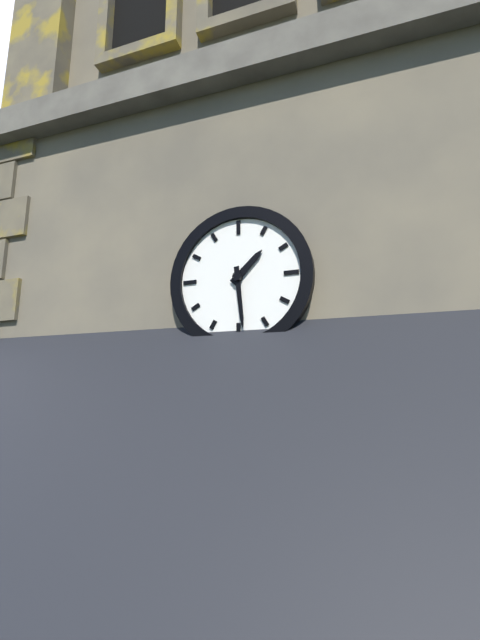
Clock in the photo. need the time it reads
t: 1:29
